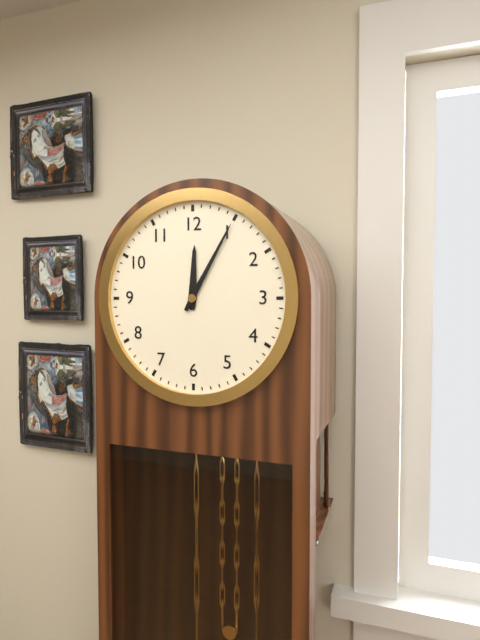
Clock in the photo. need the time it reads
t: 12:05
